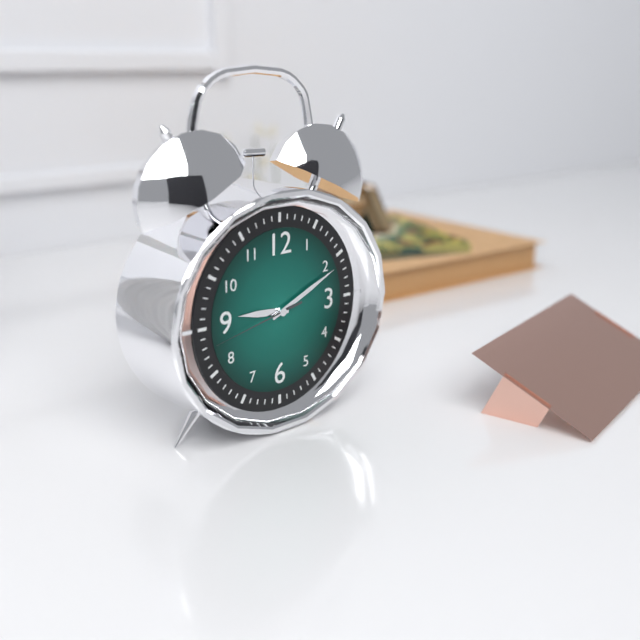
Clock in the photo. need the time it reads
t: 9:11:43
